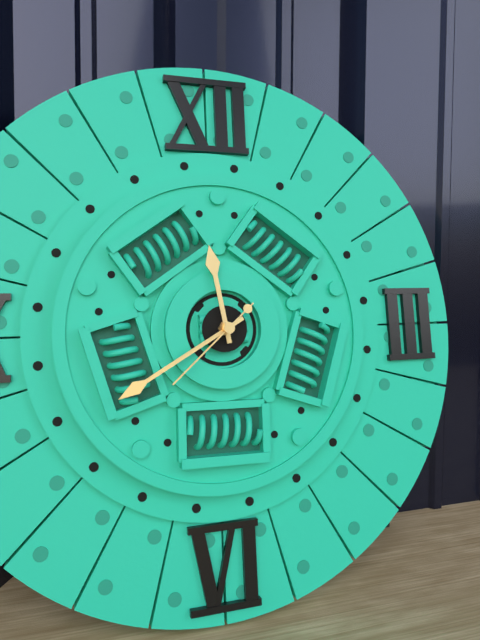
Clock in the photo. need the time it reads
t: 11:40:38
